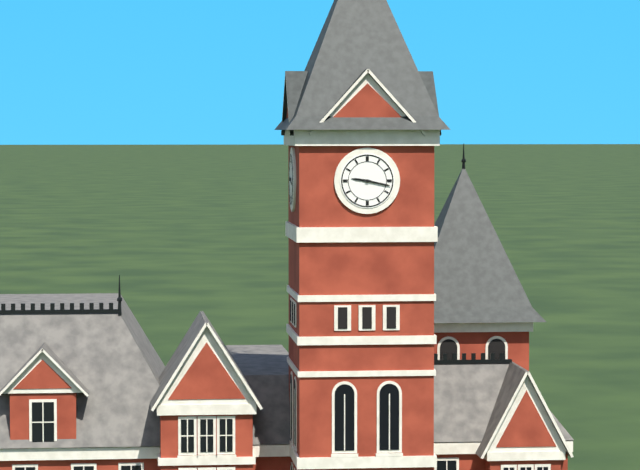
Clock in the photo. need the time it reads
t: 9:17
